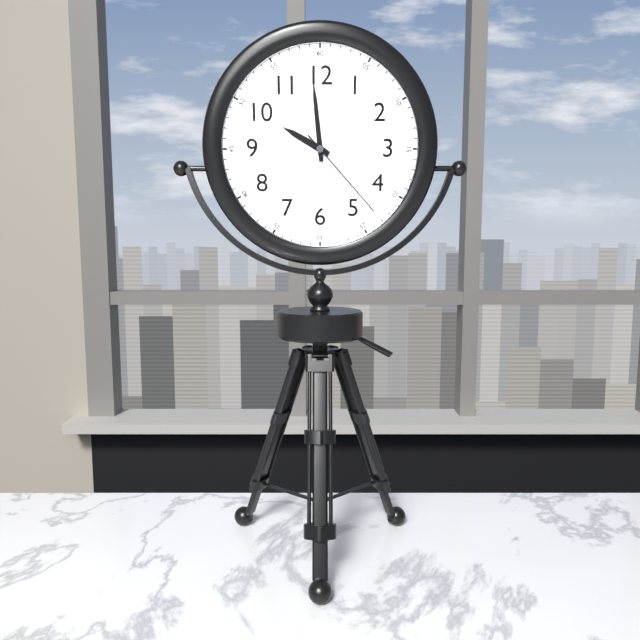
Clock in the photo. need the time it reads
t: 9:59:23
